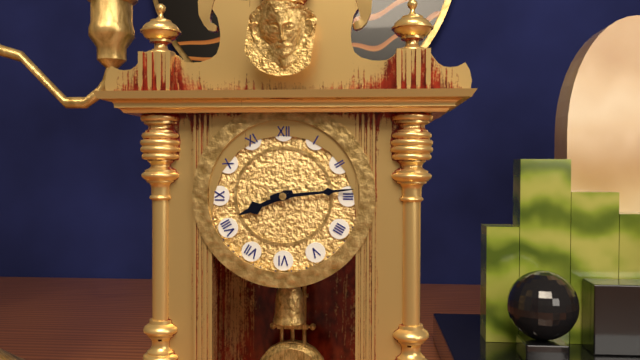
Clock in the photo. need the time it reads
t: 8:14
